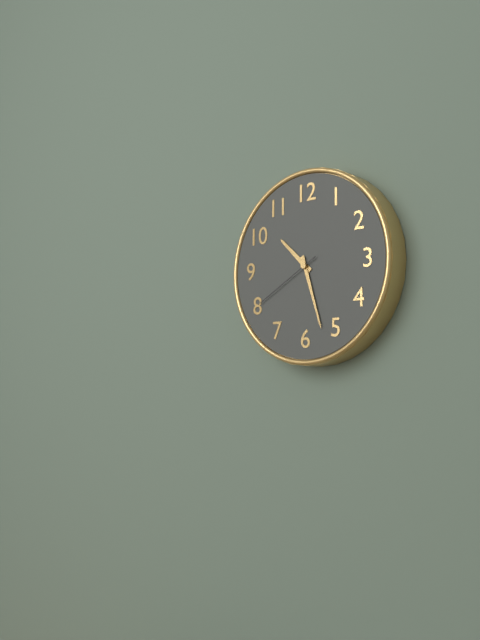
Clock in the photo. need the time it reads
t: 10:27:40
